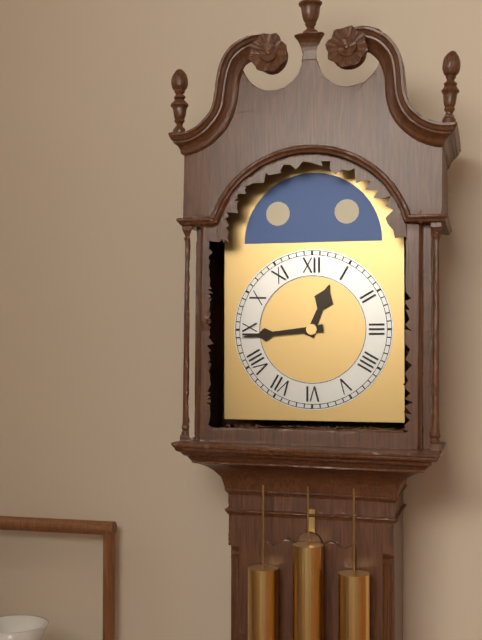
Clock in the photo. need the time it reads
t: 12:44
